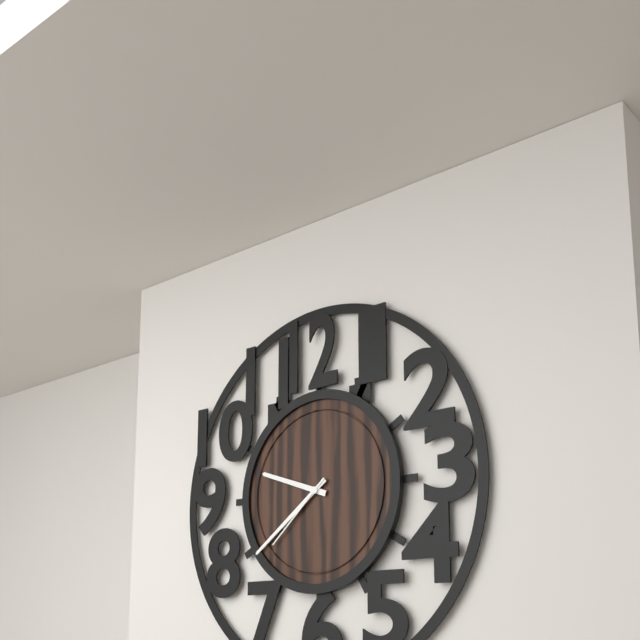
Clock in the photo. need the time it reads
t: 9:39:38
